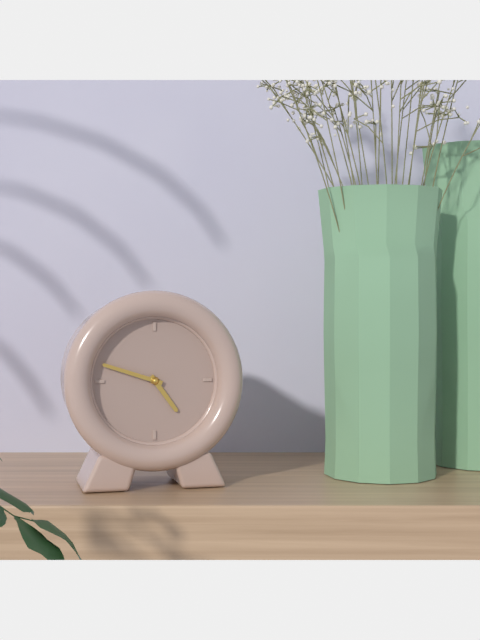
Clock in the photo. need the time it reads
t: 4:48
